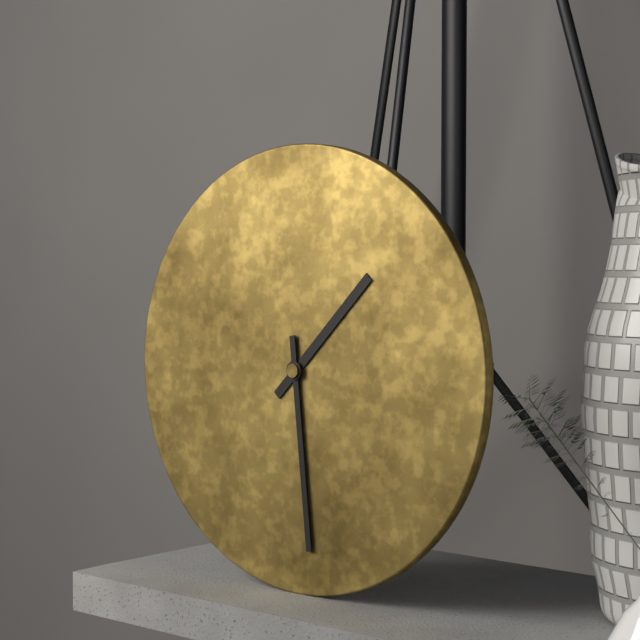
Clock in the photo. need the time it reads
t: 1:29
